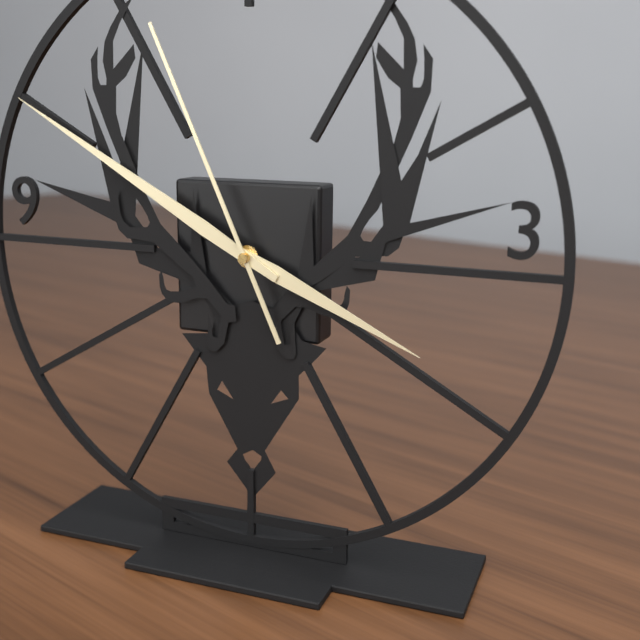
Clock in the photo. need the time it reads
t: 3:50:56
